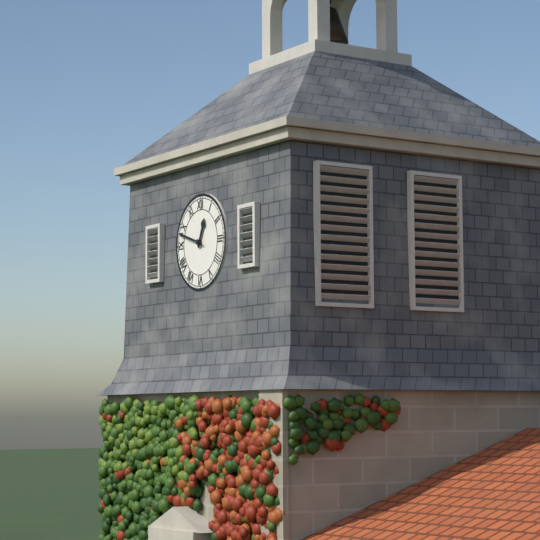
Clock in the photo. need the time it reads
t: 12:48
